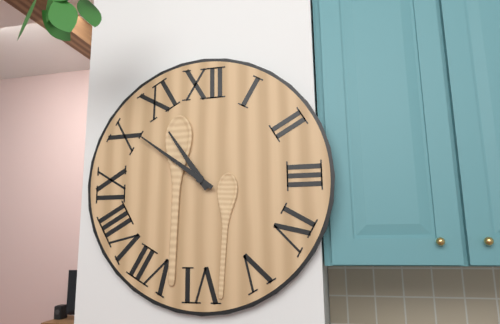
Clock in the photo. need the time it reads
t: 10:51
